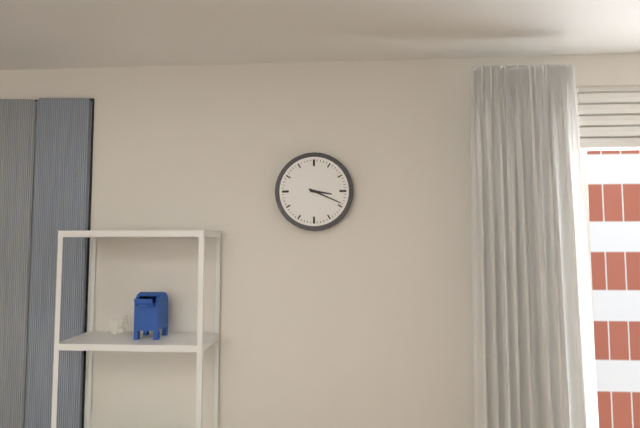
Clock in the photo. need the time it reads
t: 3:19
